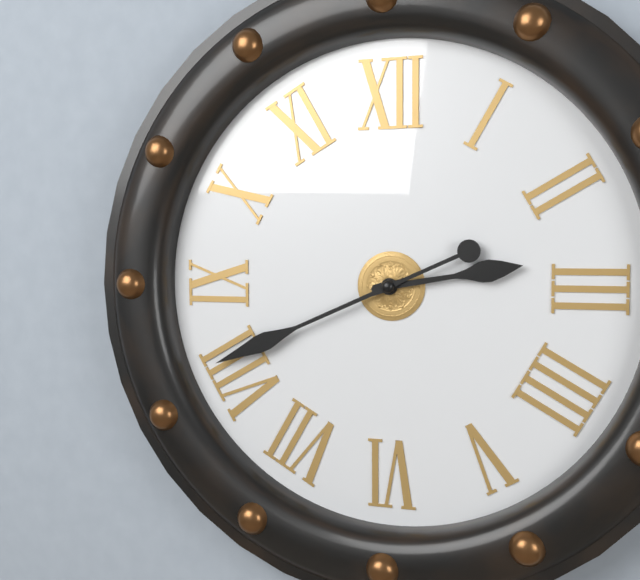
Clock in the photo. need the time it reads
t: 2:41
